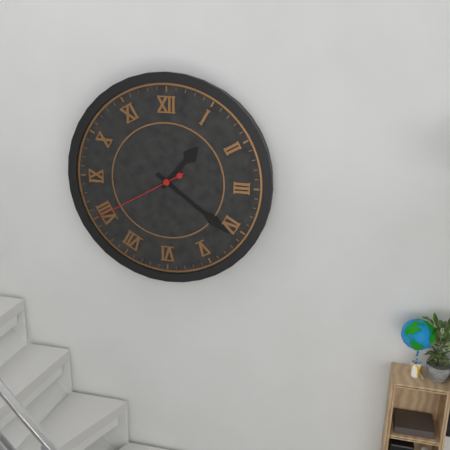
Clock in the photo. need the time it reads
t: 1:21:40
